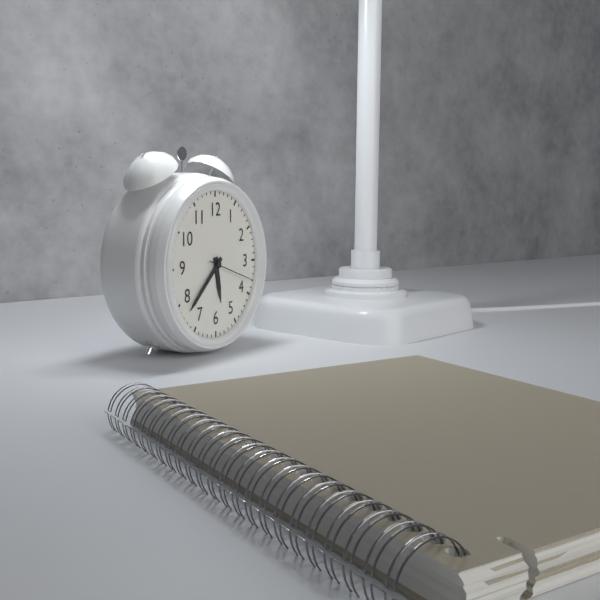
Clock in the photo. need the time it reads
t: 5:38:18
